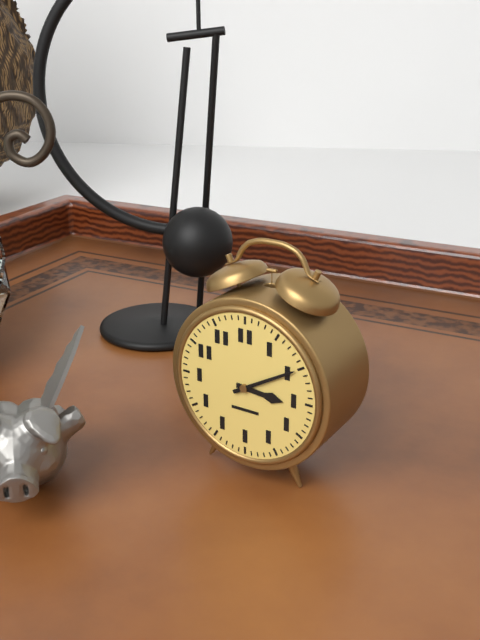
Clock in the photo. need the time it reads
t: 3:10
